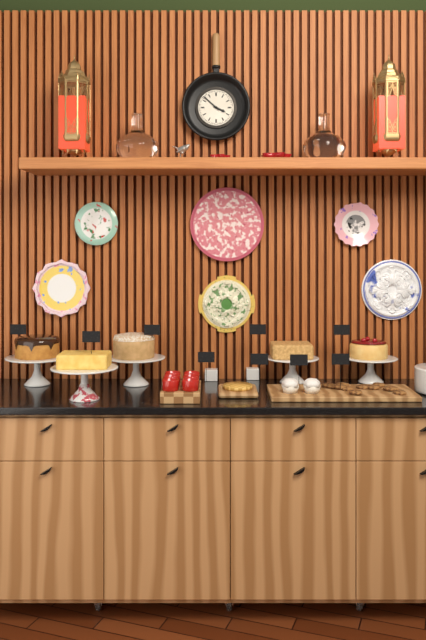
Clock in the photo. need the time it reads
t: 3:52
